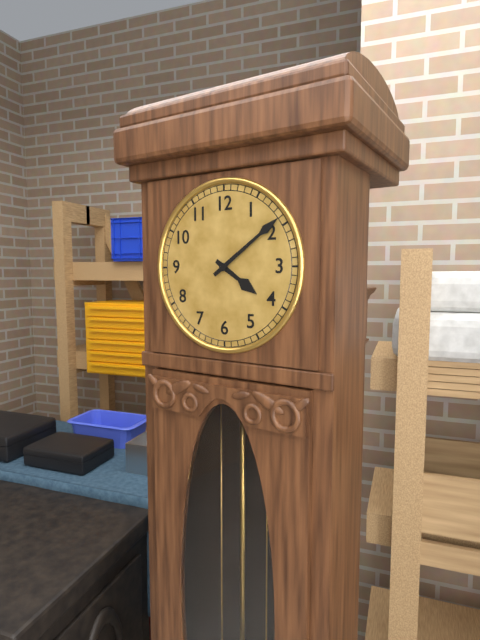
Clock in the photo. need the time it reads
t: 4:09
